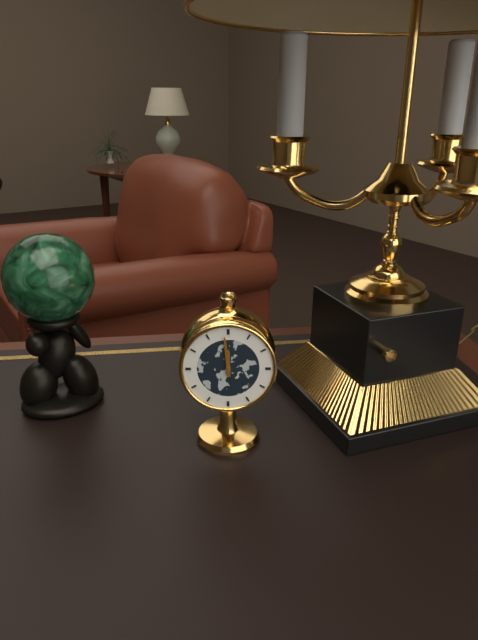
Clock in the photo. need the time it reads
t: 11:59
